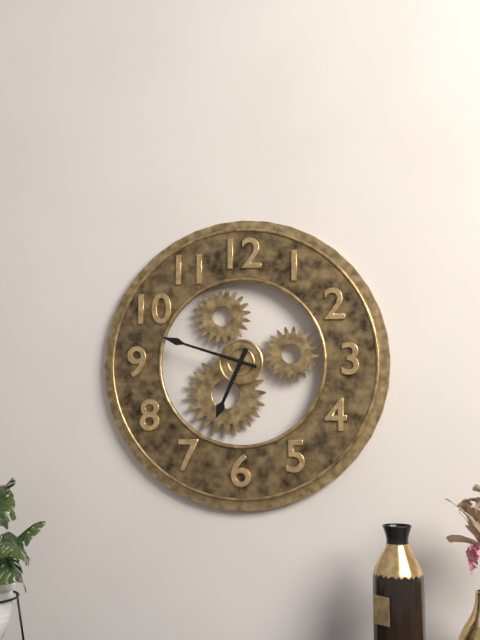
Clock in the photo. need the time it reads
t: 6:48
